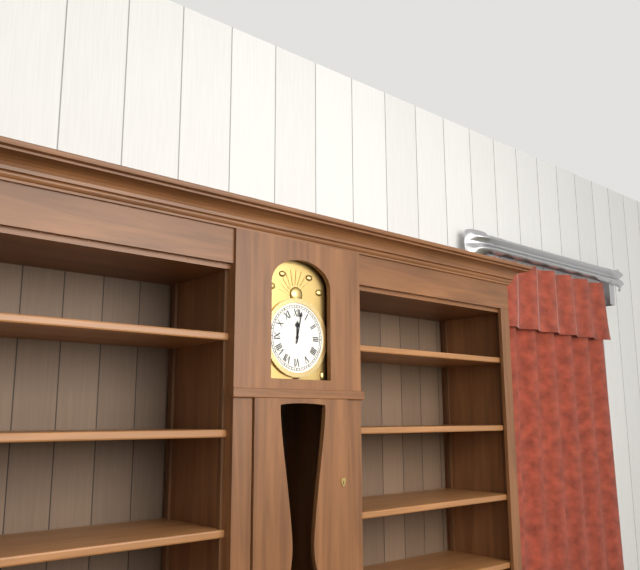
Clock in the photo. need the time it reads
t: 12:02
